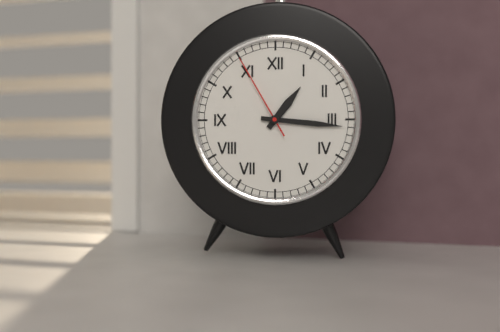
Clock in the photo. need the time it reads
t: 1:16:55
